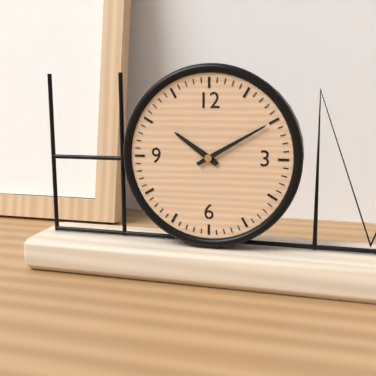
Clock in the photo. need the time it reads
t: 10:10
